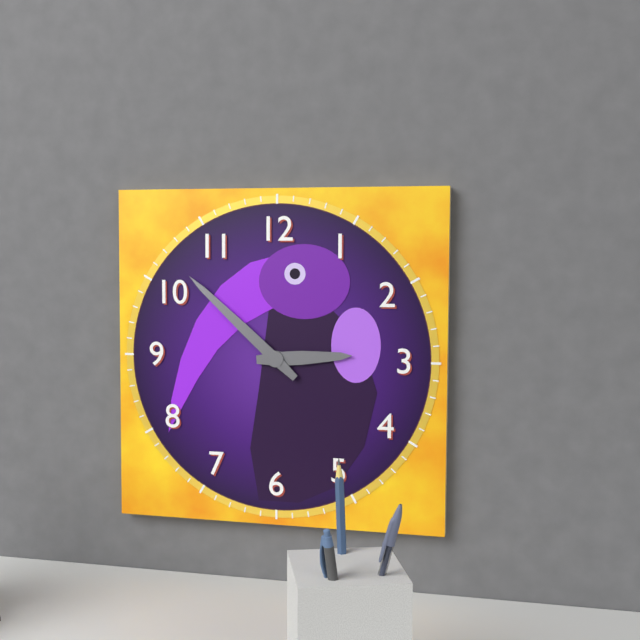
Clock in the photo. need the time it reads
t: 2:52
